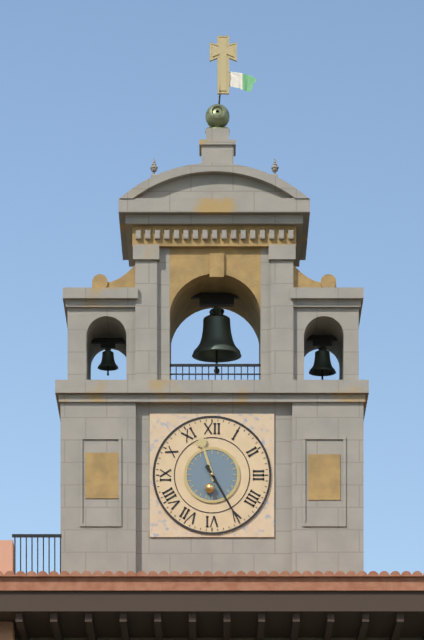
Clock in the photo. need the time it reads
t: 11:25
